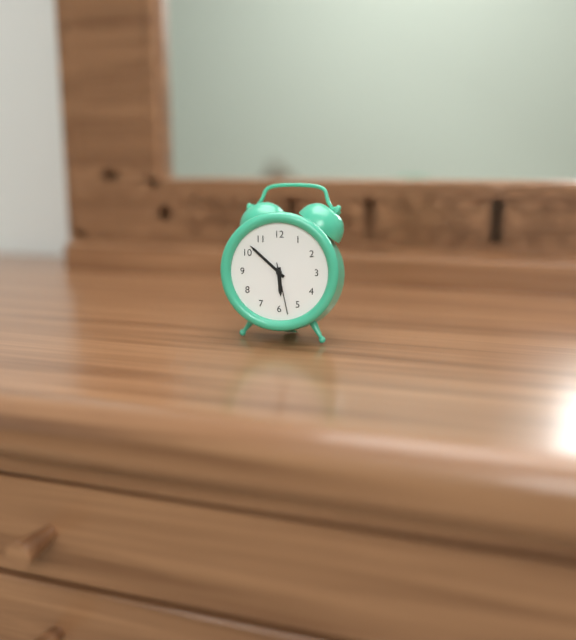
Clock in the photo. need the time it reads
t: 5:52:28
